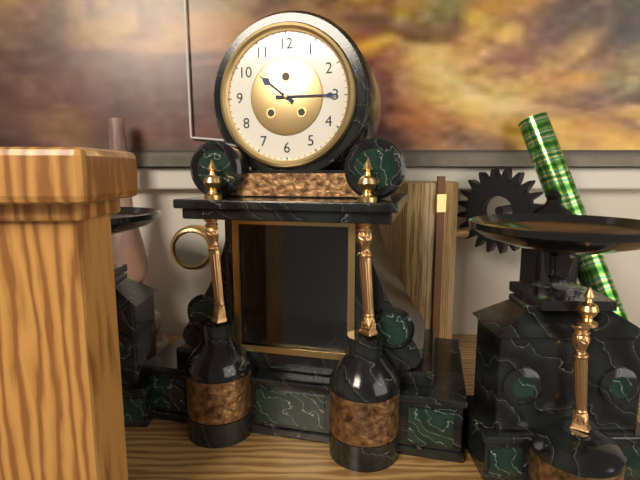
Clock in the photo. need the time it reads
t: 10:15
